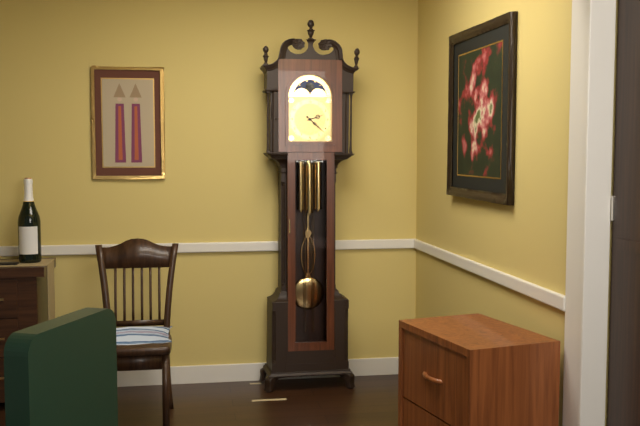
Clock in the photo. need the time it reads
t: 2:22
